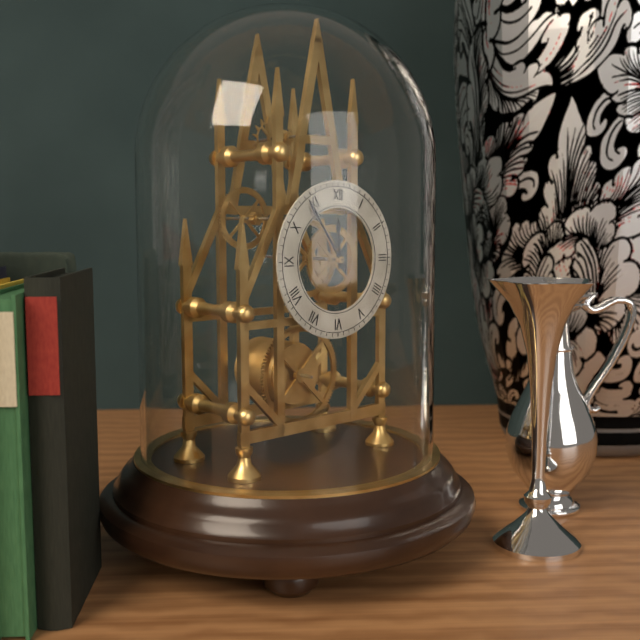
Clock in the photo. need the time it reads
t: 11:54
